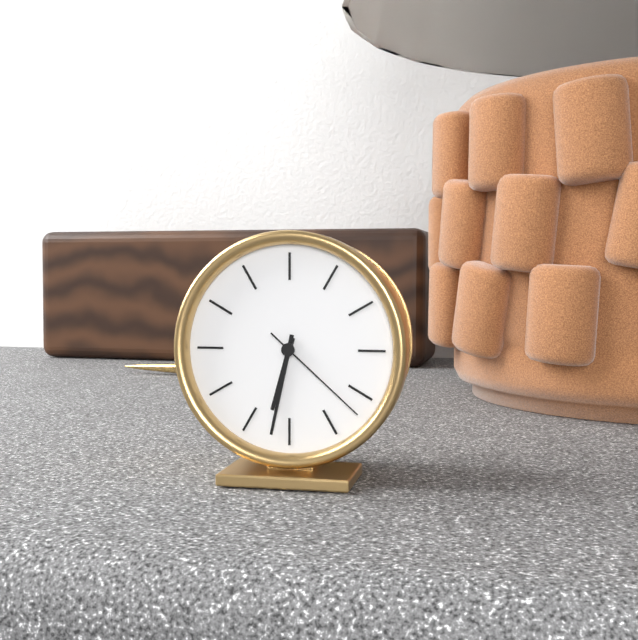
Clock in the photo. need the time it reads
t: 6:32:22
